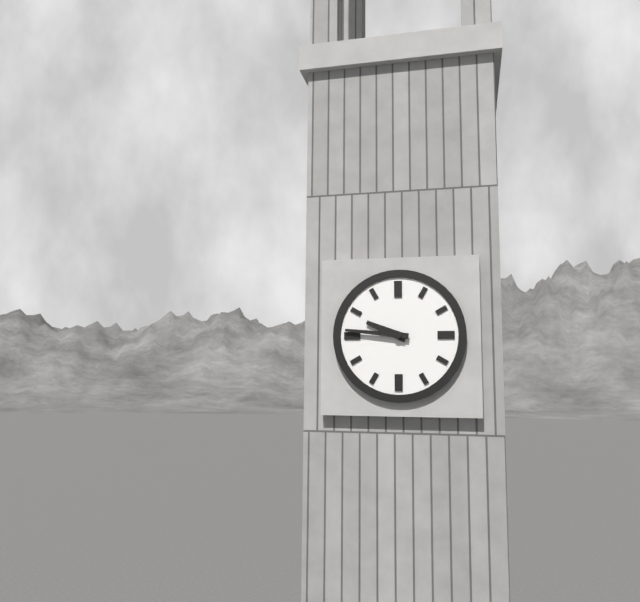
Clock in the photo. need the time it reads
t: 9:46
